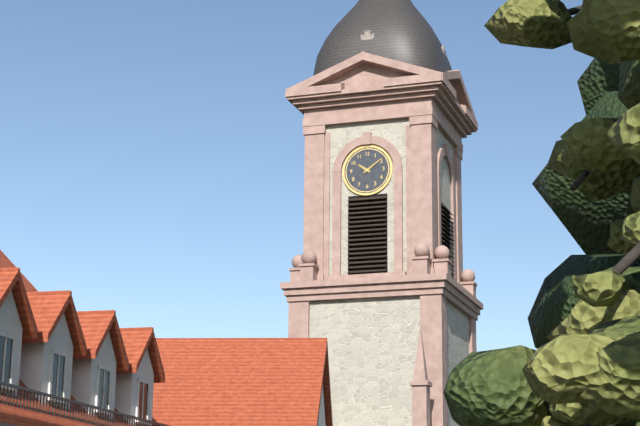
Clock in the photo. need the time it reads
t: 10:09
